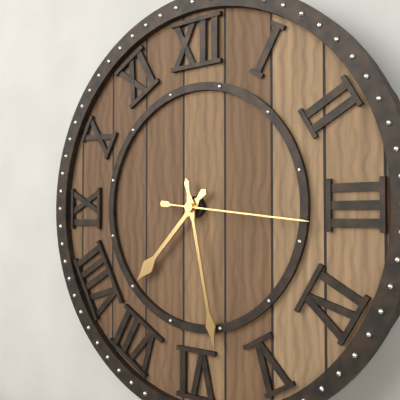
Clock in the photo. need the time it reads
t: 7:28:16
